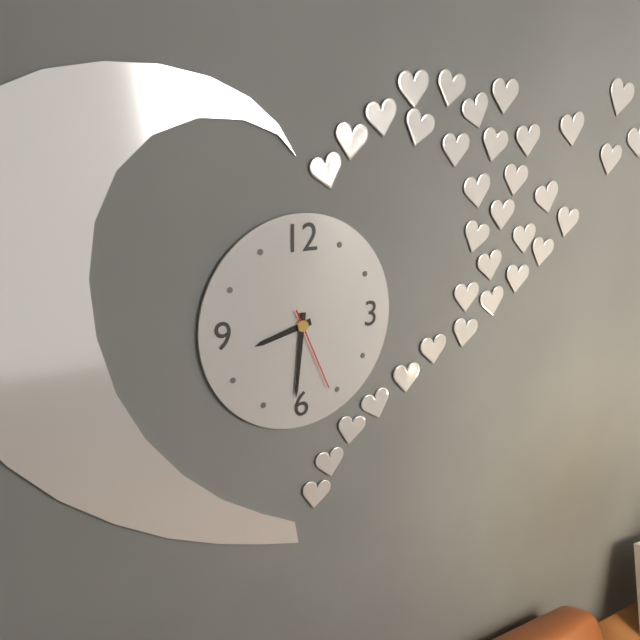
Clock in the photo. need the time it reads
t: 8:31:26
